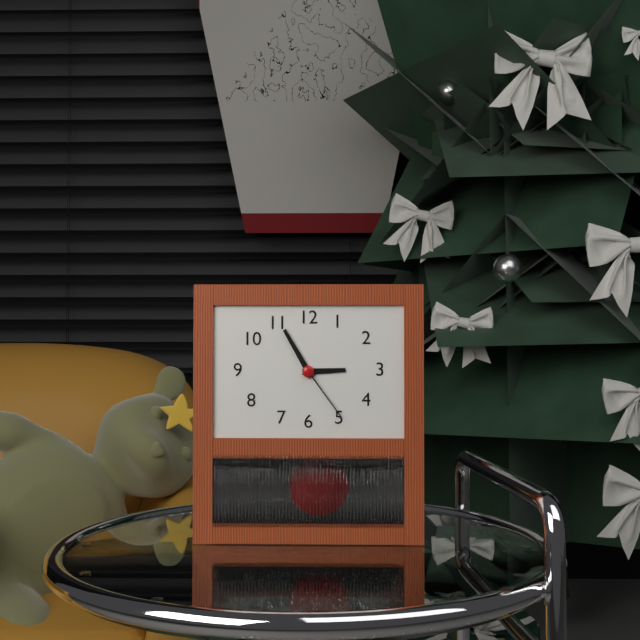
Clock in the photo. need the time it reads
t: 2:55:24
